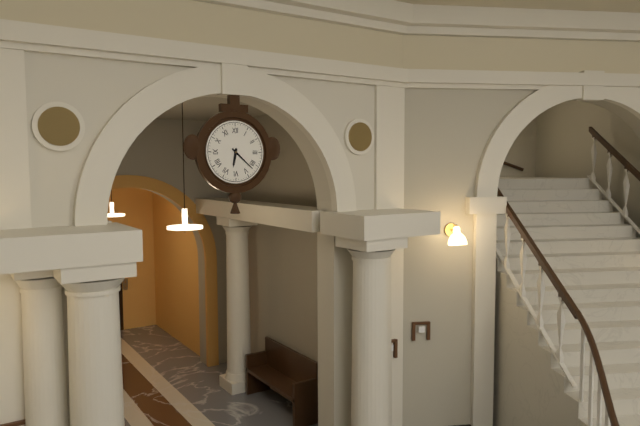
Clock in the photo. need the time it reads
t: 6:22
